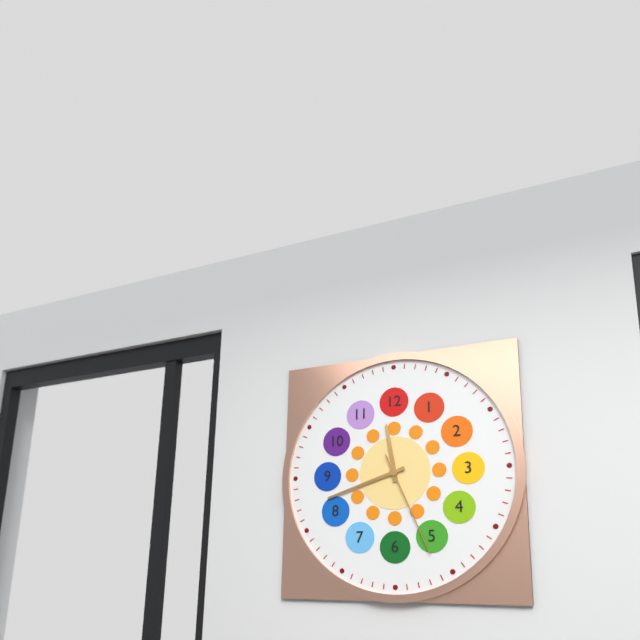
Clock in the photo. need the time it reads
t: 11:42:26
